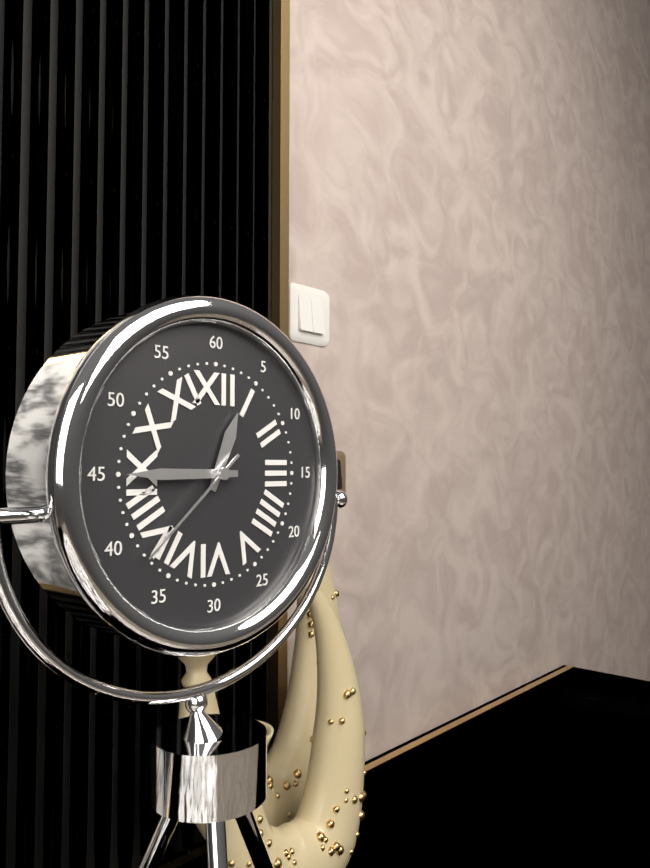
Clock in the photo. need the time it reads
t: 12:45:38
